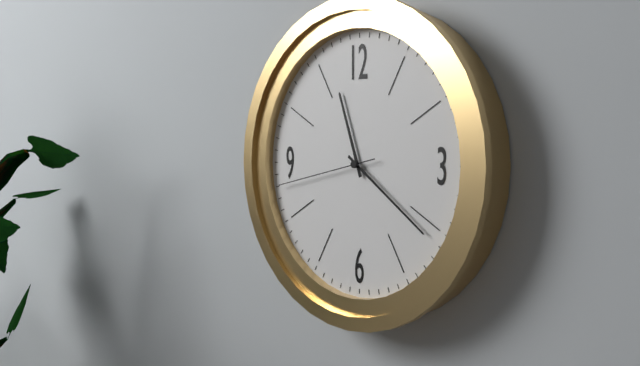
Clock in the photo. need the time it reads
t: 11:21:43
